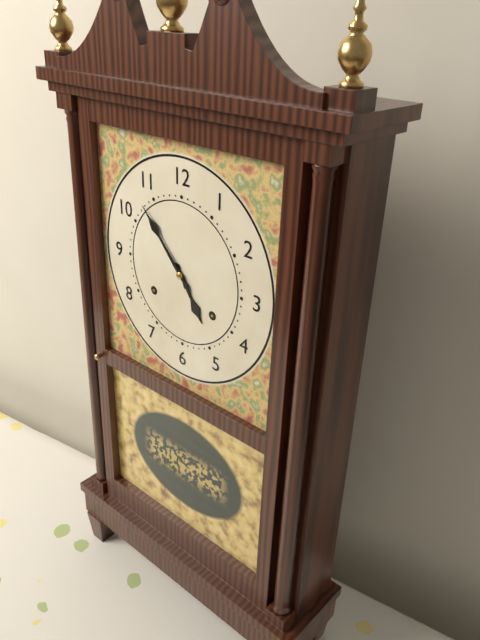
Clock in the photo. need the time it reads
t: 4:53
